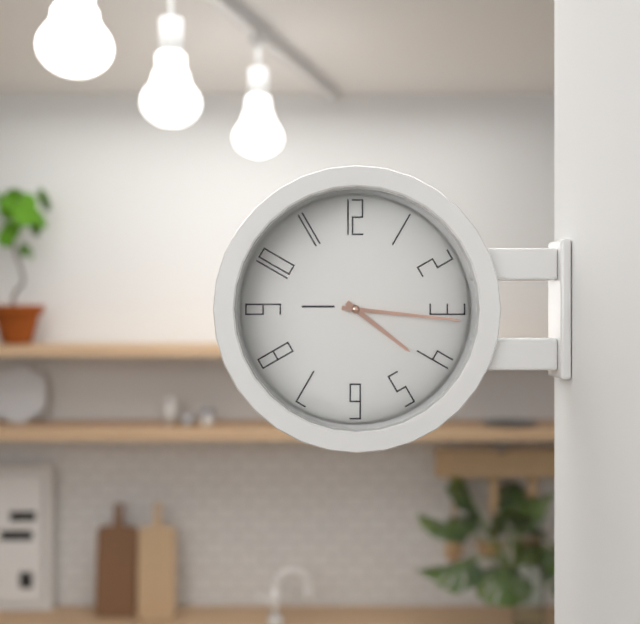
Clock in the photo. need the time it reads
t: 4:16
